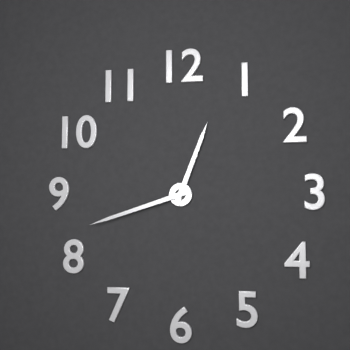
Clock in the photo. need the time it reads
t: 12:42
